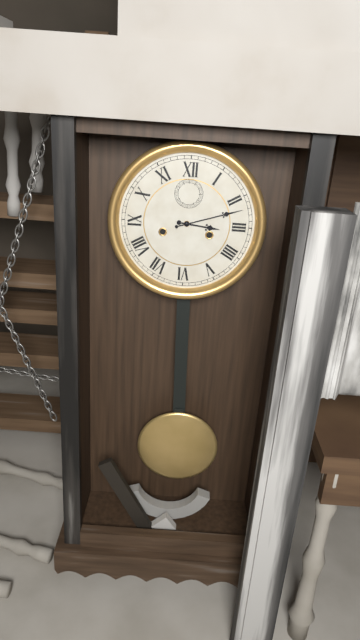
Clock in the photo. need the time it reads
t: 3:12
